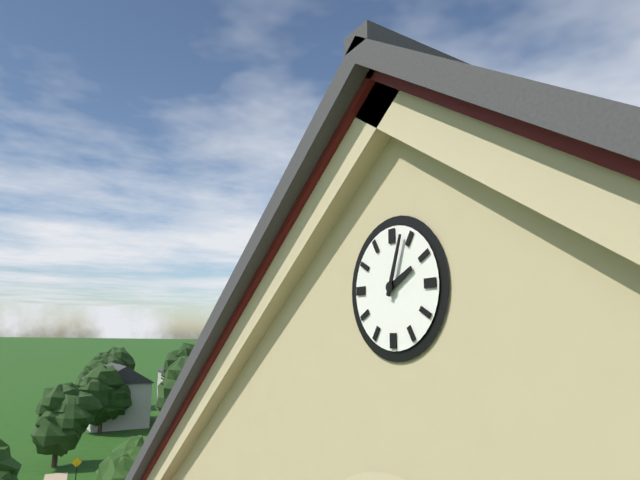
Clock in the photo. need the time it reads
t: 2:03
